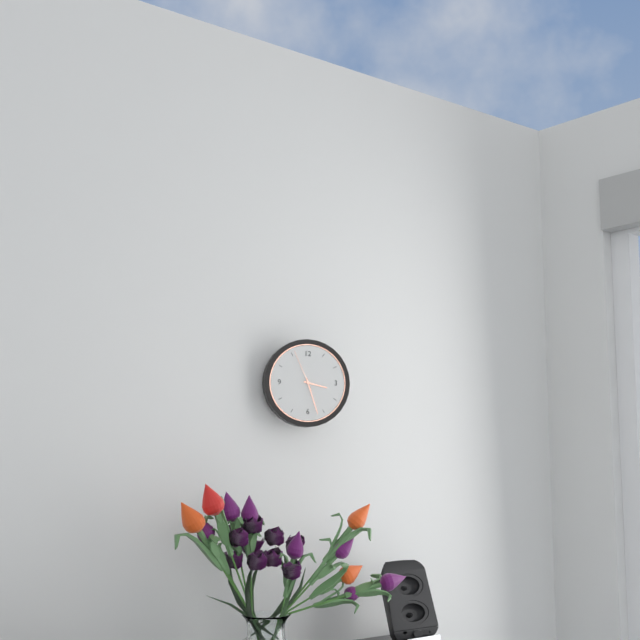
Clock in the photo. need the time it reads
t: 3:27
